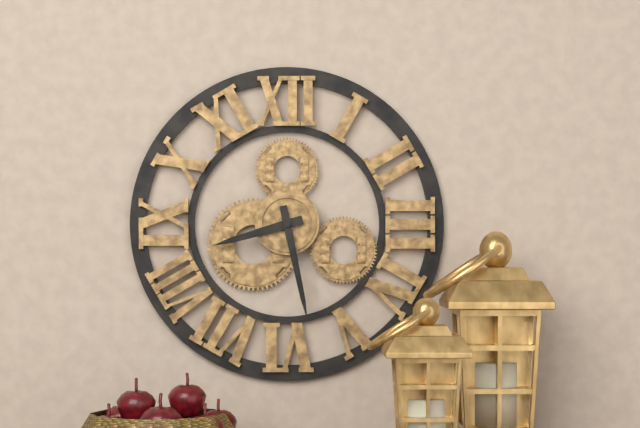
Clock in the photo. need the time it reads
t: 8:28
